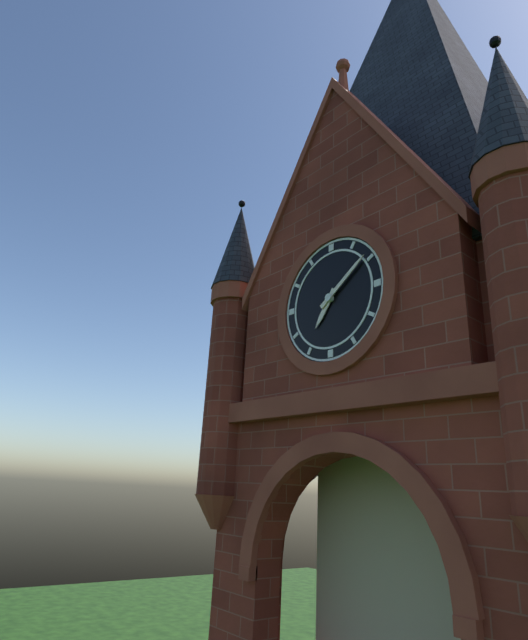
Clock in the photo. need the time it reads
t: 7:09
